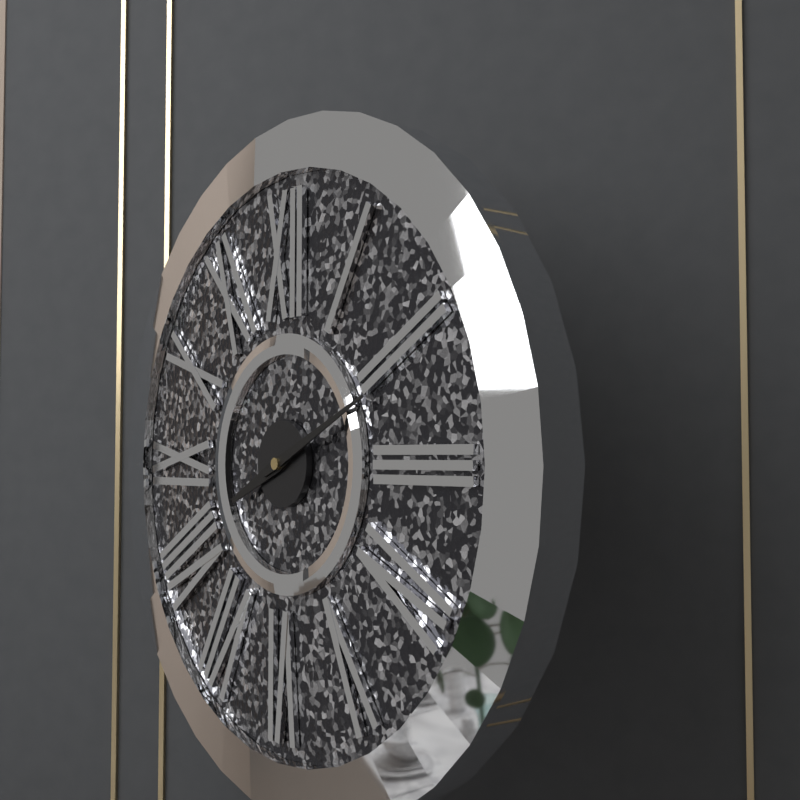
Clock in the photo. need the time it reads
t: 8:11
